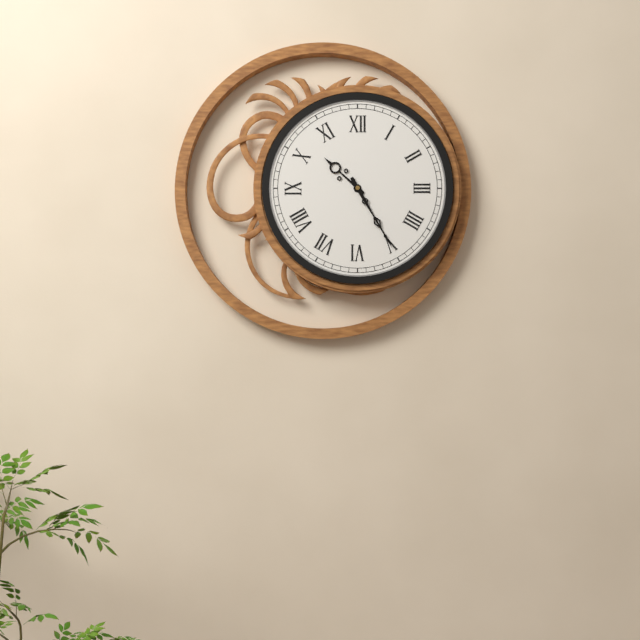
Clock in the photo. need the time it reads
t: 10:25
